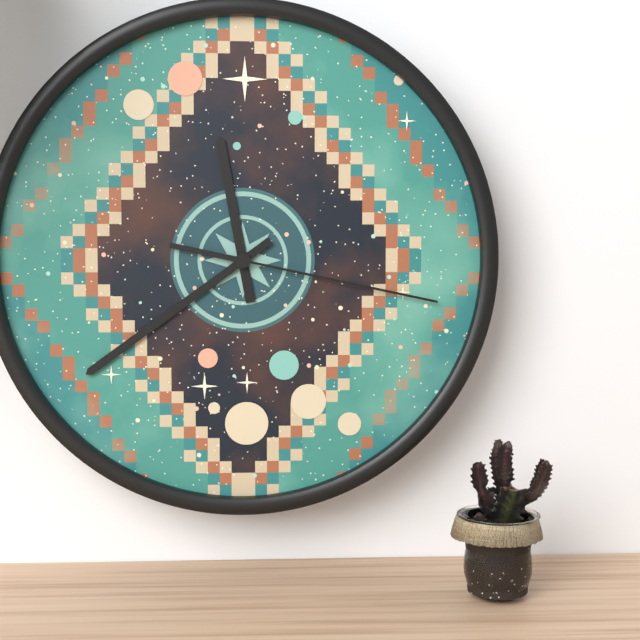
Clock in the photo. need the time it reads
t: 11:39:17
